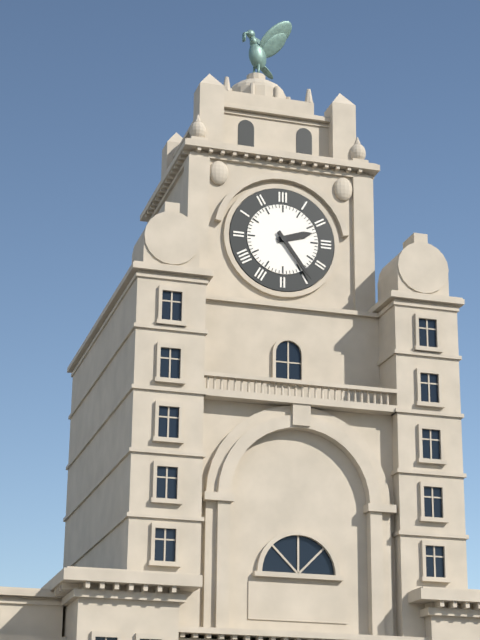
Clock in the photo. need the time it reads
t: 2:24
